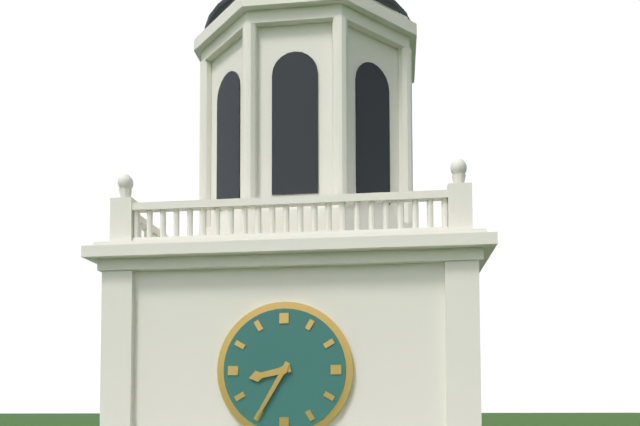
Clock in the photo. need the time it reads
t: 8:35
